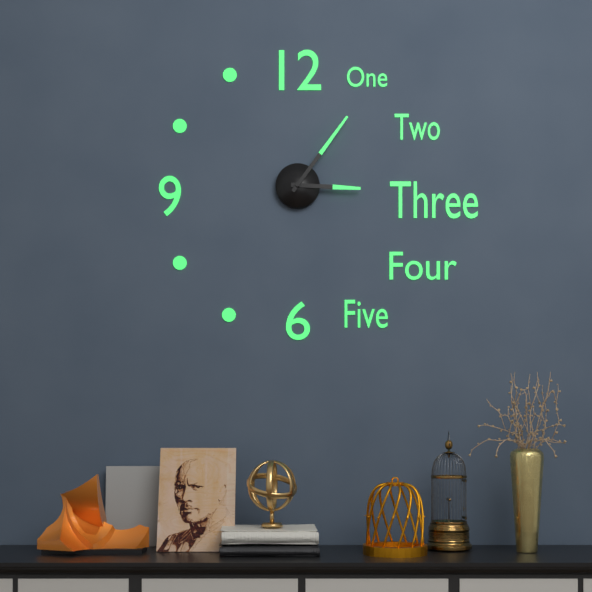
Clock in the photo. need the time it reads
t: 3:06
